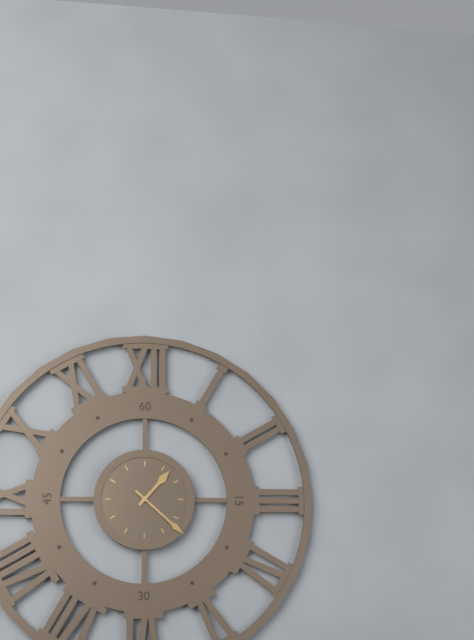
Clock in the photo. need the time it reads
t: 1:22
